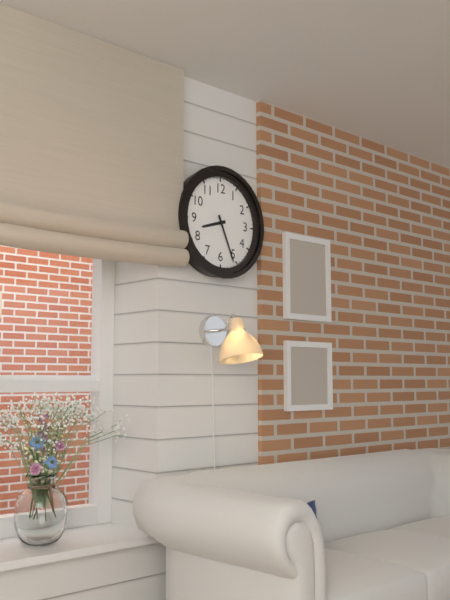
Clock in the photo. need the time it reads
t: 8:26
